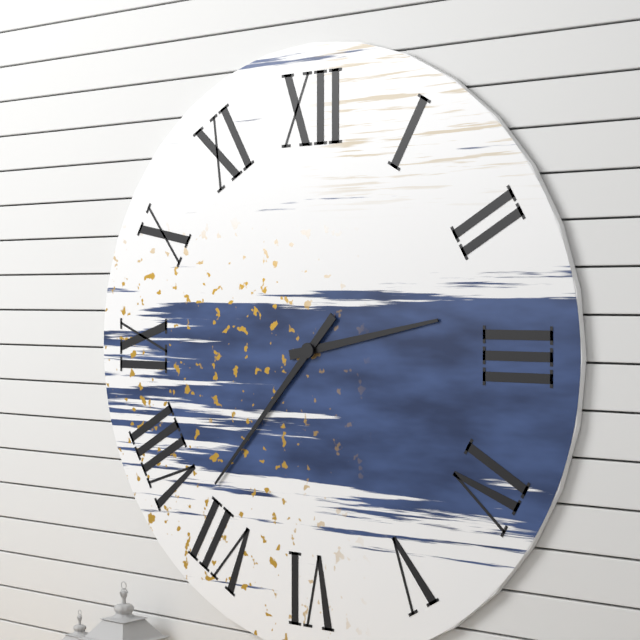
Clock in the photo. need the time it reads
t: 2:37
